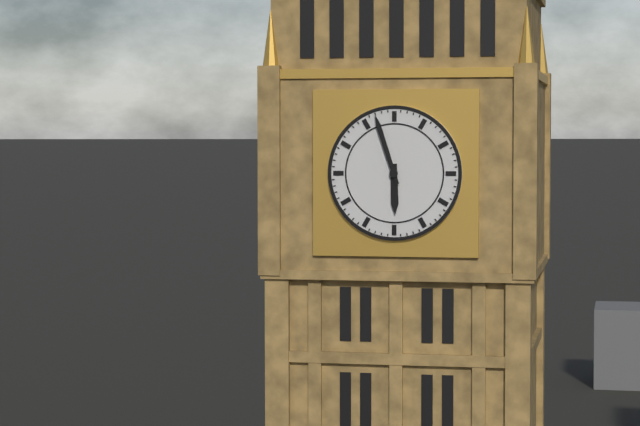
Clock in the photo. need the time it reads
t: 5:57
